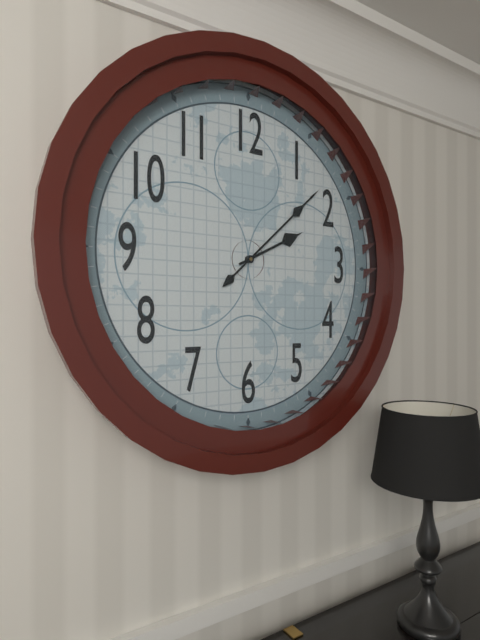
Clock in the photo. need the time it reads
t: 2:08
